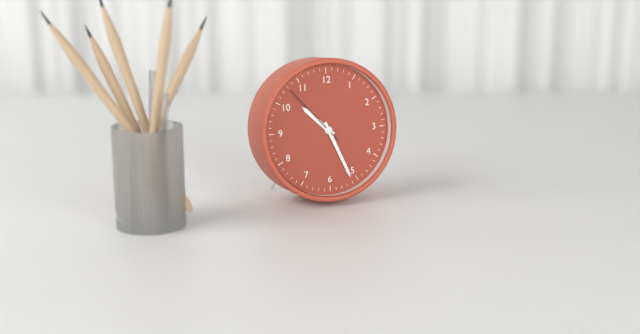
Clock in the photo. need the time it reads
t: 10:26:53
